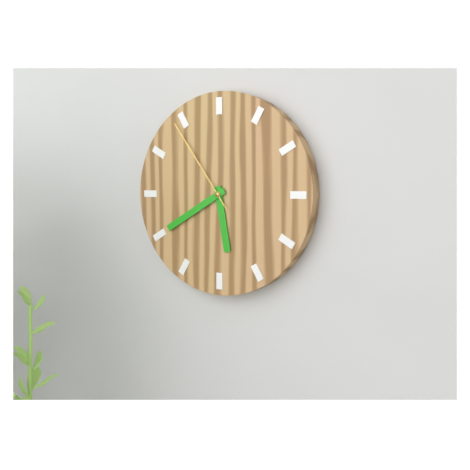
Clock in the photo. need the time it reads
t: 5:40:54
